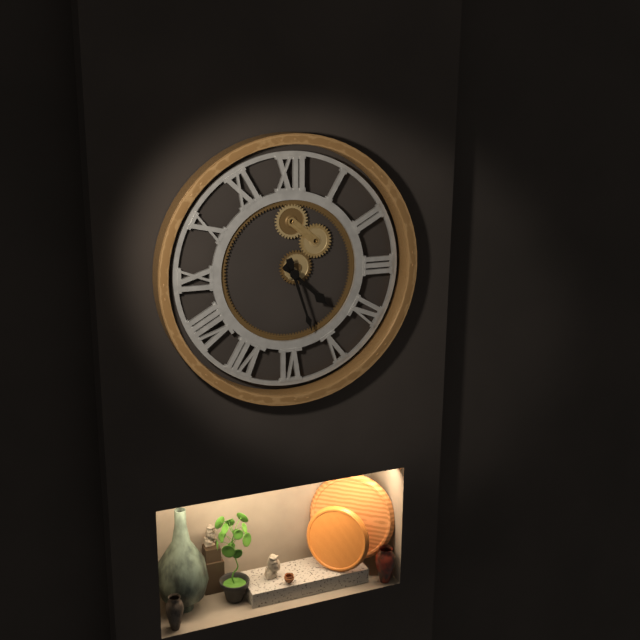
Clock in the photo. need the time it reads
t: 4:27
